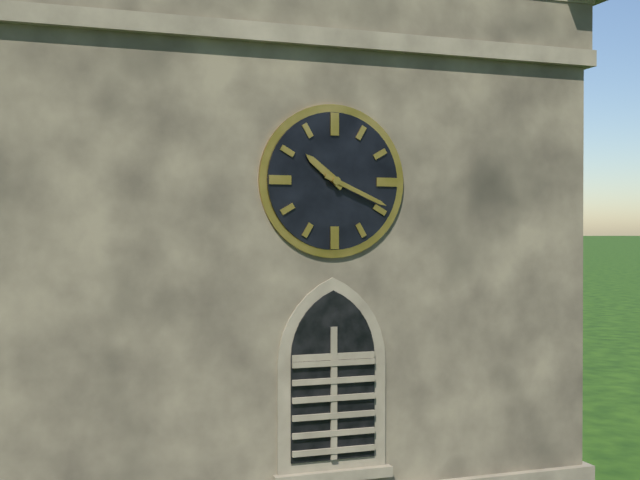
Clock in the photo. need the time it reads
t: 10:19
